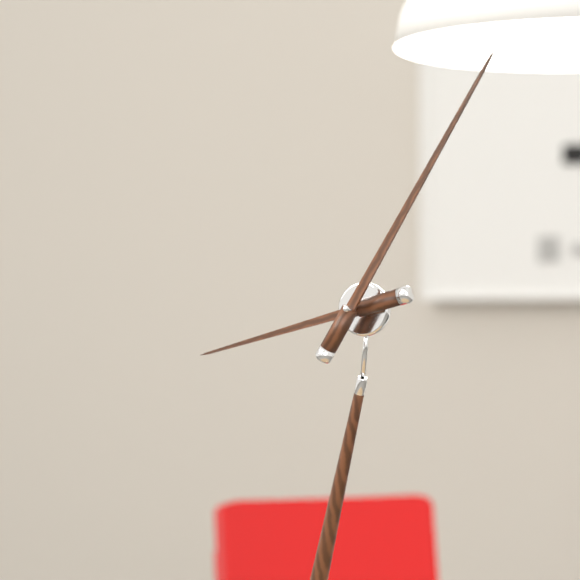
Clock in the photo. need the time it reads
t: 8:03
